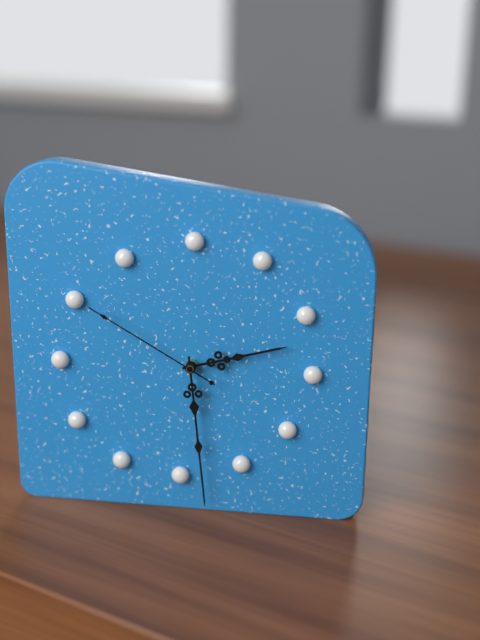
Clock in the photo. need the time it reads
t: 2:29:50
